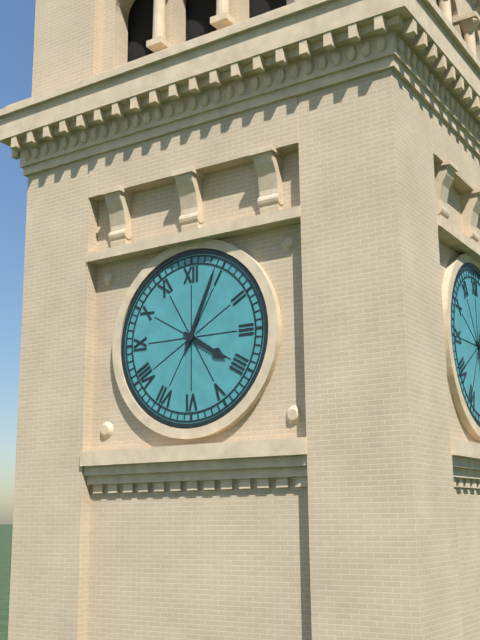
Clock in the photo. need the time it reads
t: 4:04
